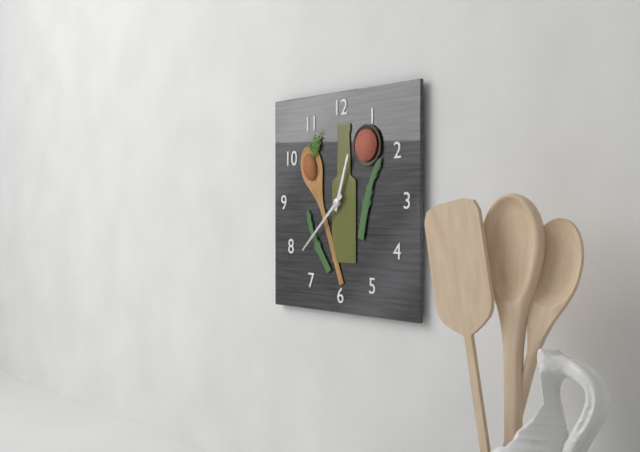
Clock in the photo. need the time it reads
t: 12:38
